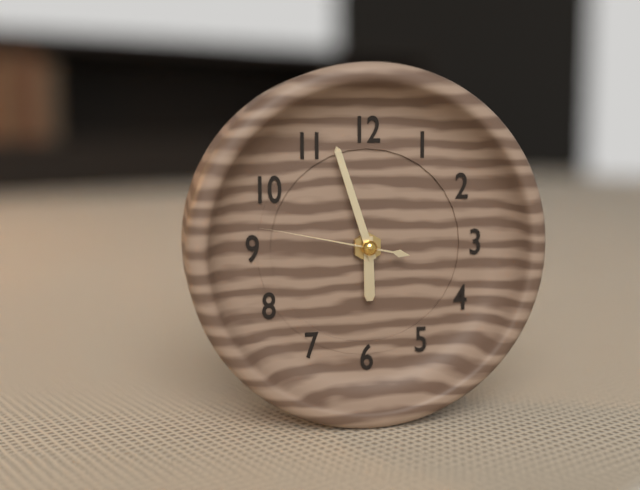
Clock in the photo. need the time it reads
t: 5:57:47
